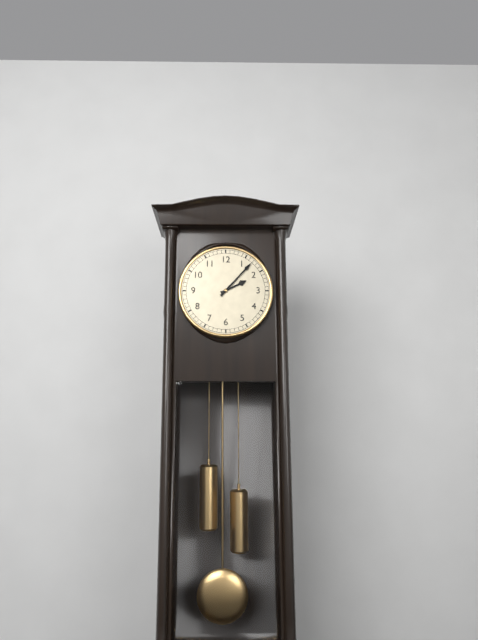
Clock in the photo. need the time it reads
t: 2:07
